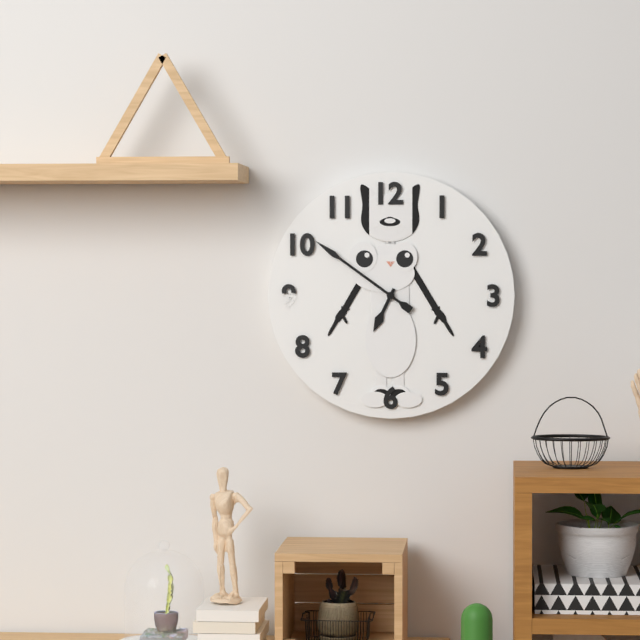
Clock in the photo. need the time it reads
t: 6:51
